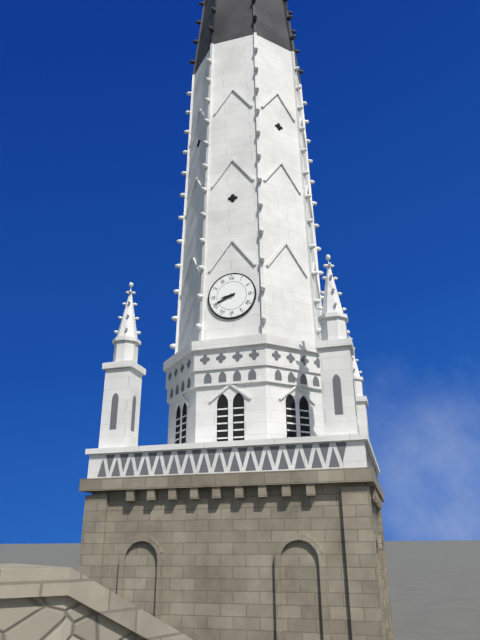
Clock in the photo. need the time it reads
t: 8:41
